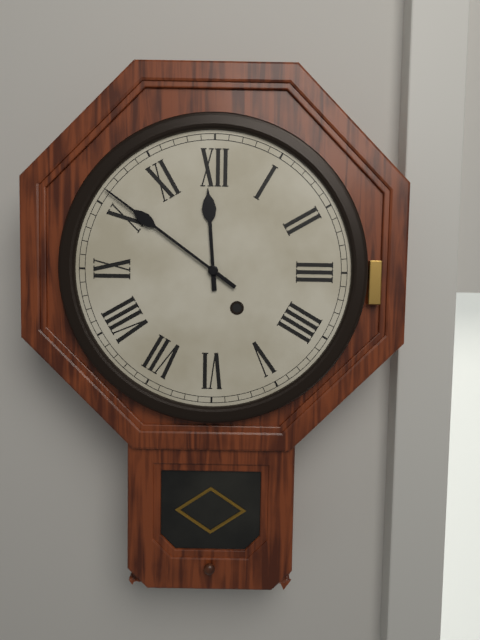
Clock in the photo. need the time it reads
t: 11:51
